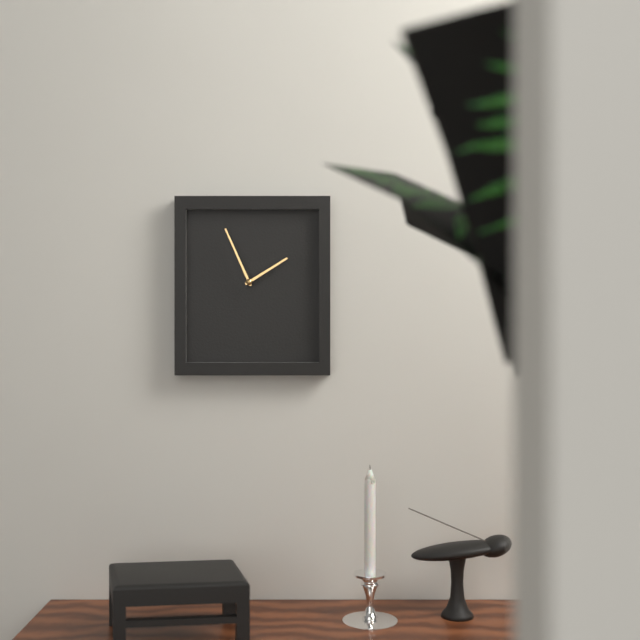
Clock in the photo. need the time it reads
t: 1:56
